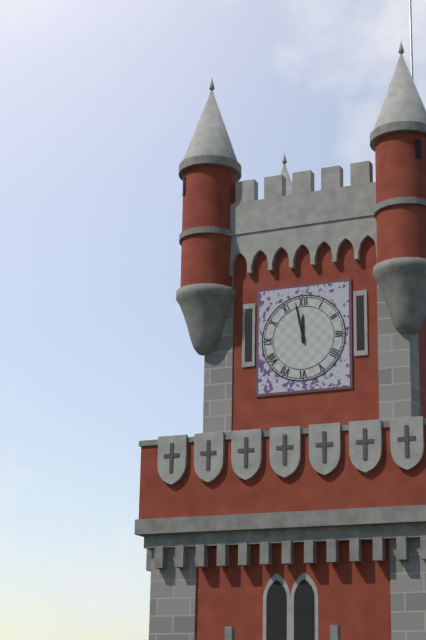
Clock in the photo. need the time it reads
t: 11:58
